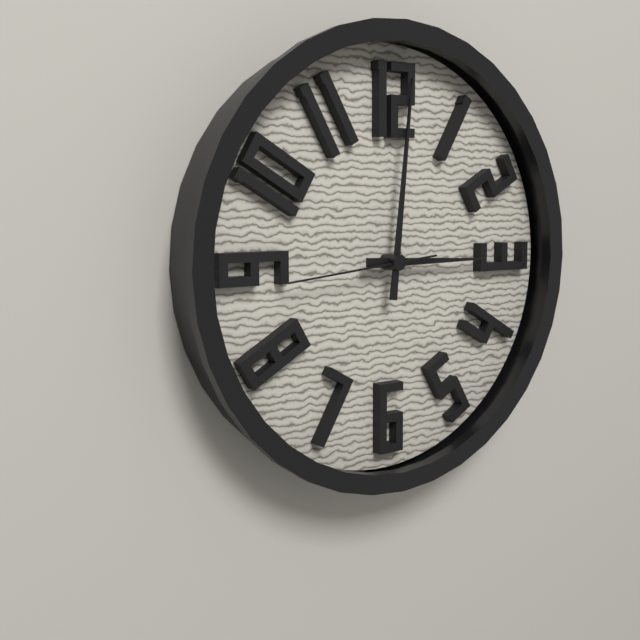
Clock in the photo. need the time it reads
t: 3:01:44
